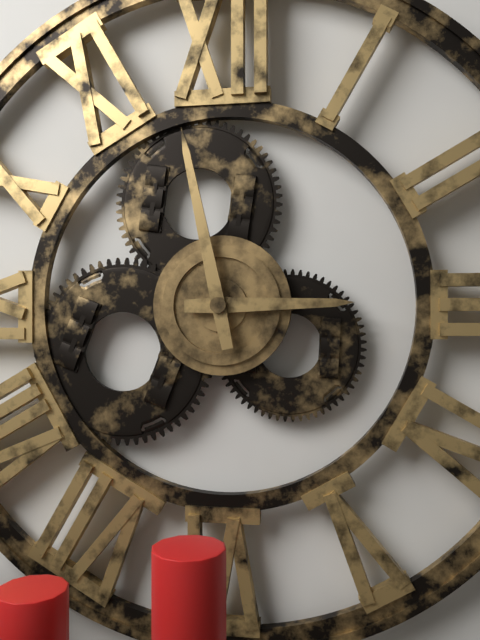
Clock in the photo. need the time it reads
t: 2:58
